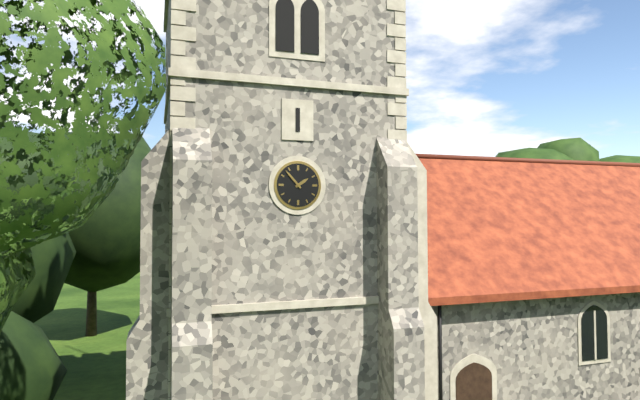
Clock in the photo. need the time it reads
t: 1:53
